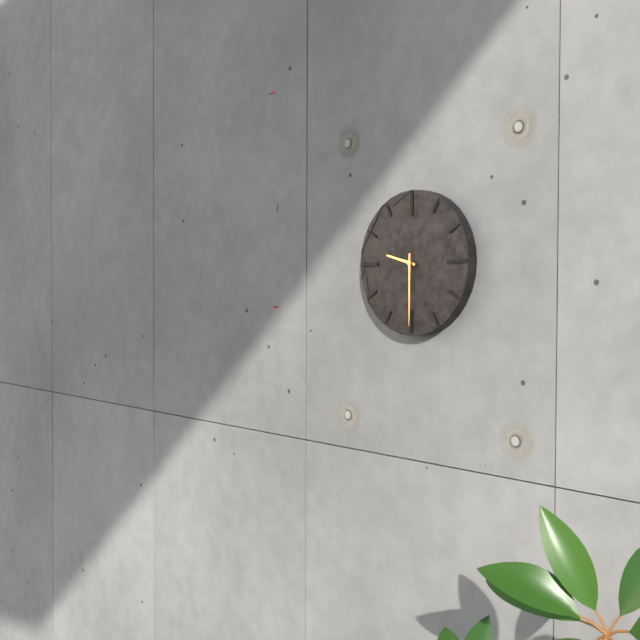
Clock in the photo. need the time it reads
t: 9:30
